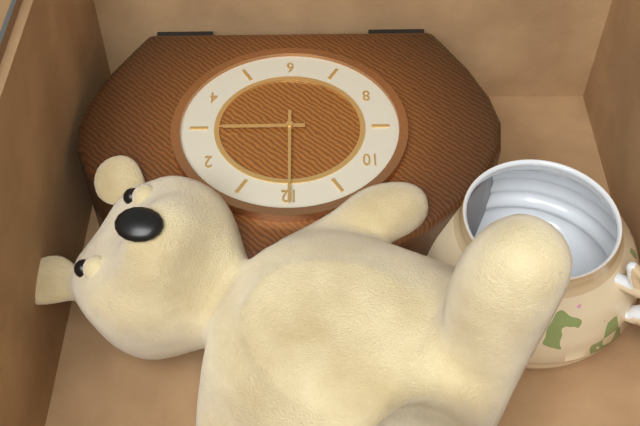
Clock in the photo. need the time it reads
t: 3:00
